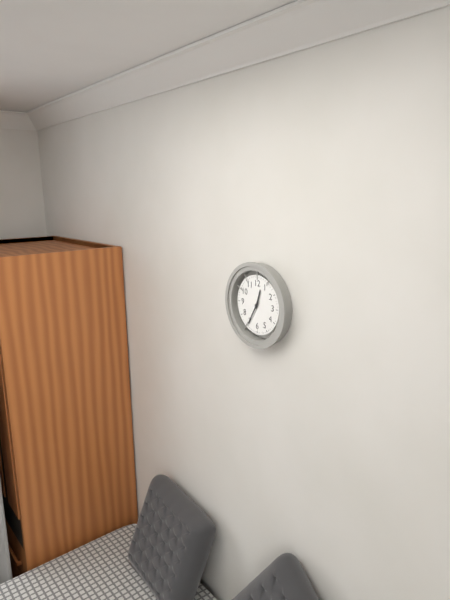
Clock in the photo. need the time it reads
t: 12:35
